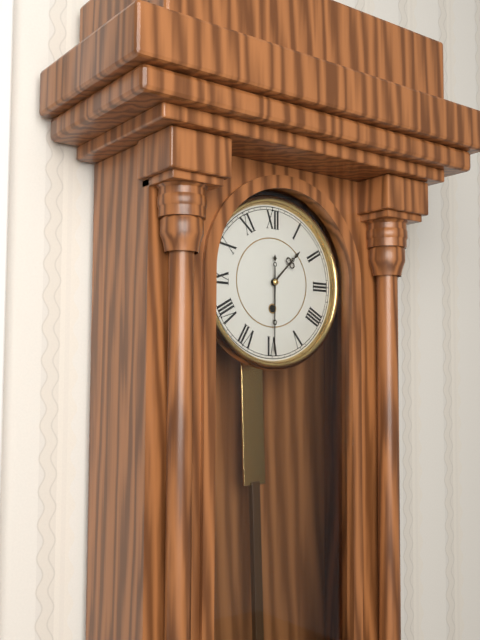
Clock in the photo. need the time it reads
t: 1:30
